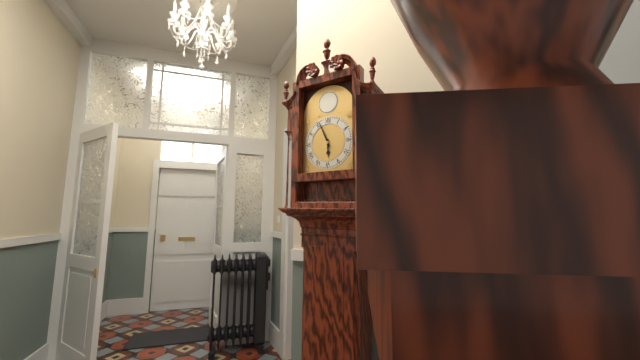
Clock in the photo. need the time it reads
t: 5:56
